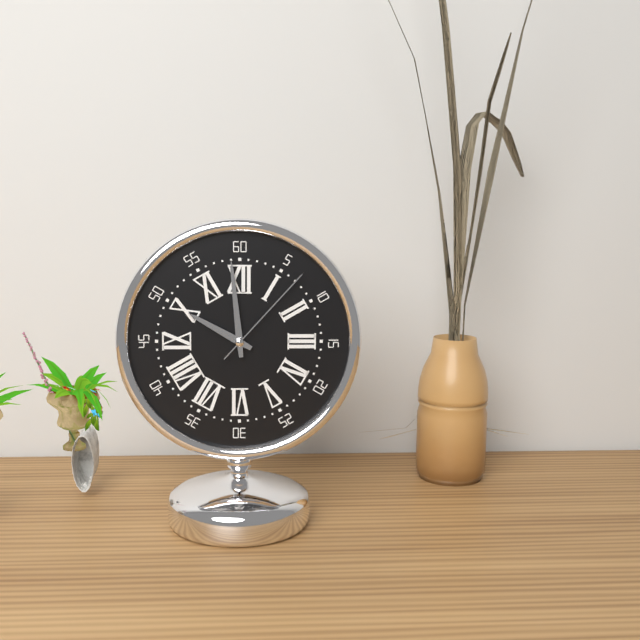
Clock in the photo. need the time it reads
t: 9:59:07
